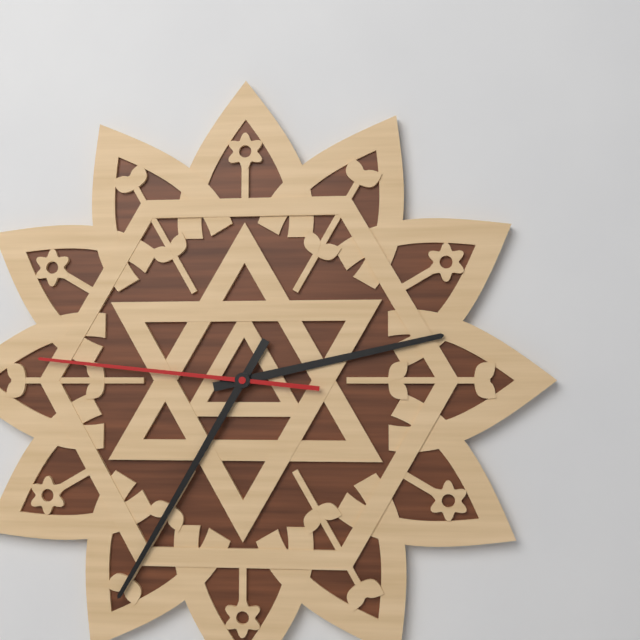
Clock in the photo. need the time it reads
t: 2:35:46
